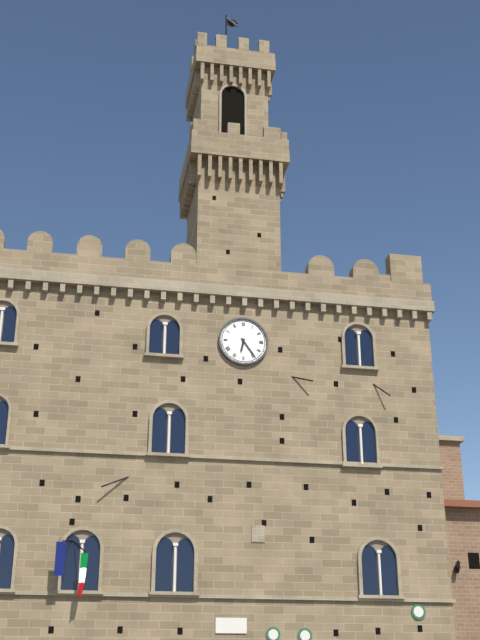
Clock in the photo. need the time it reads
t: 6:24
